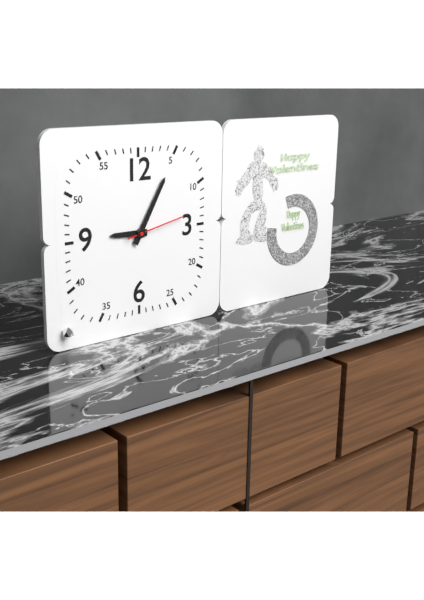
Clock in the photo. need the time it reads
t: 9:05:13
